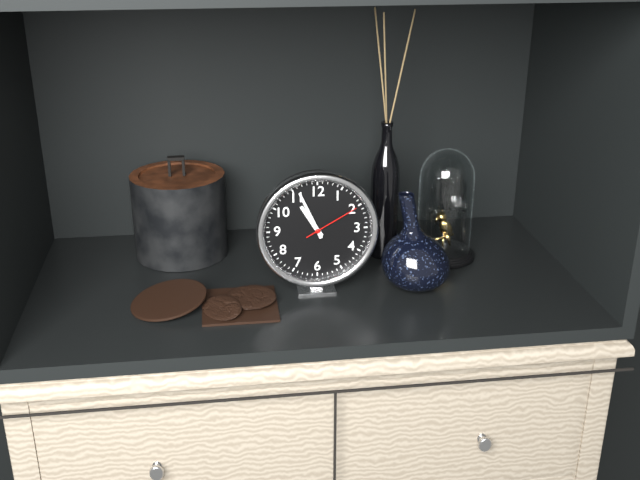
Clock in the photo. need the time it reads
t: 10:56:10
